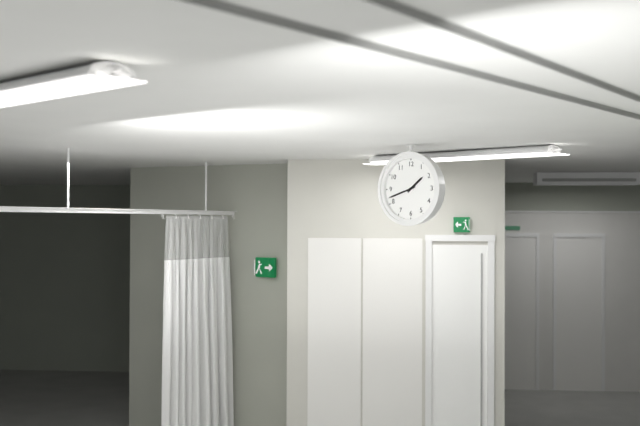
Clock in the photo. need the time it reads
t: 1:42
